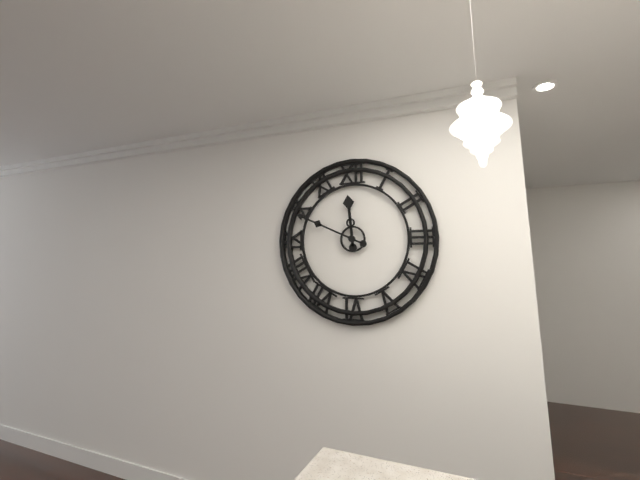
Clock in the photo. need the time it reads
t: 11:49
